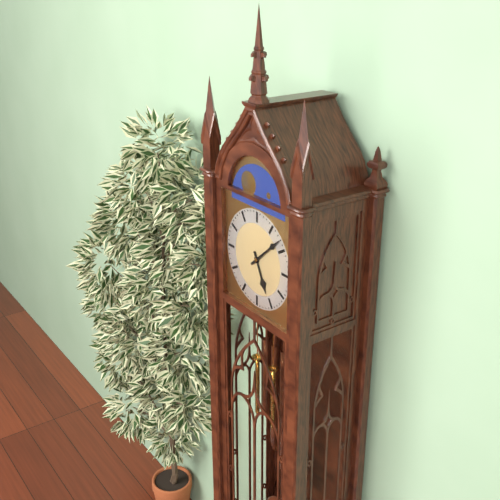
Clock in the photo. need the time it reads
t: 5:08
